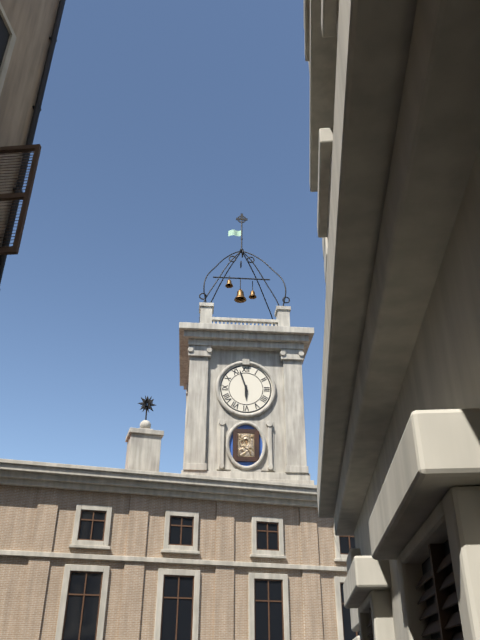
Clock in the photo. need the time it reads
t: 5:57
